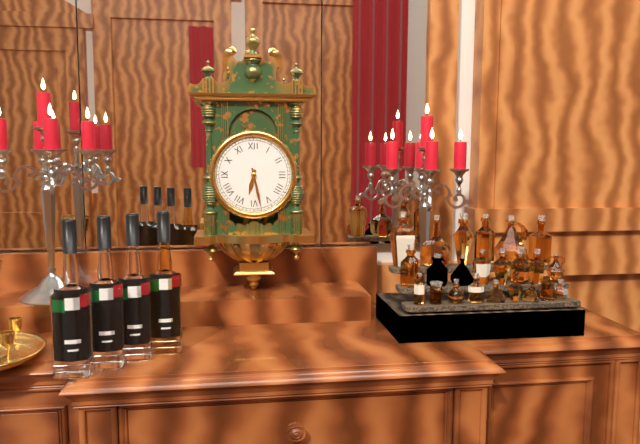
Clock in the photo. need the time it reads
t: 6:28
